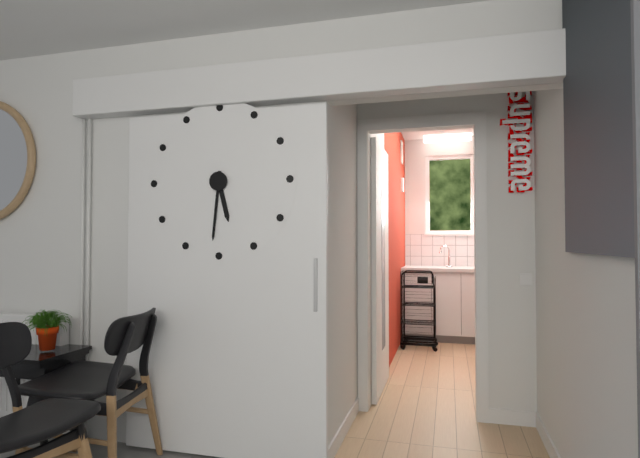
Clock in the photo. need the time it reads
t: 5:31
